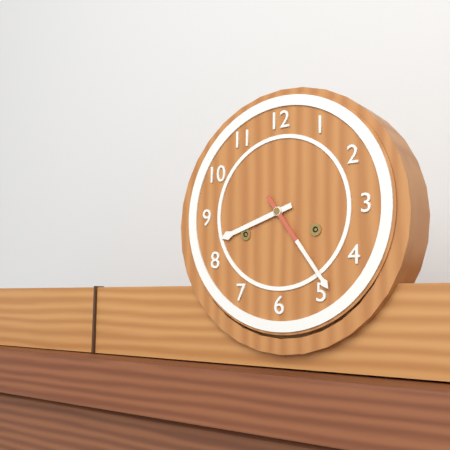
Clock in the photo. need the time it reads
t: 8:24
